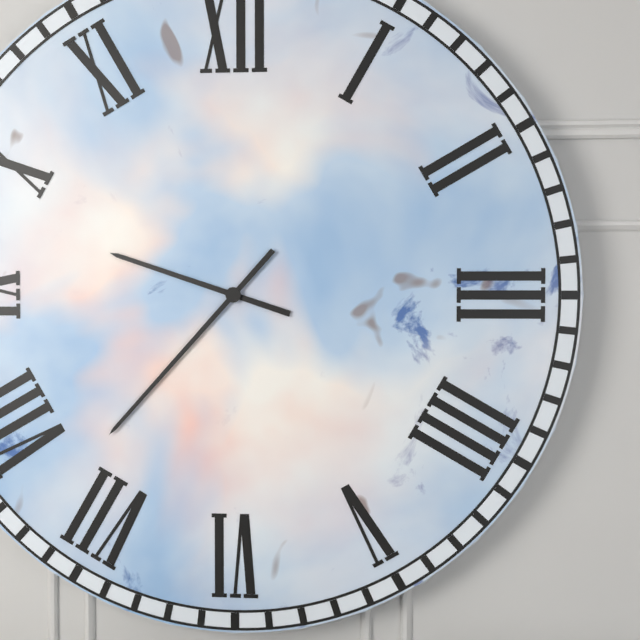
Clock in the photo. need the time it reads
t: 9:37
